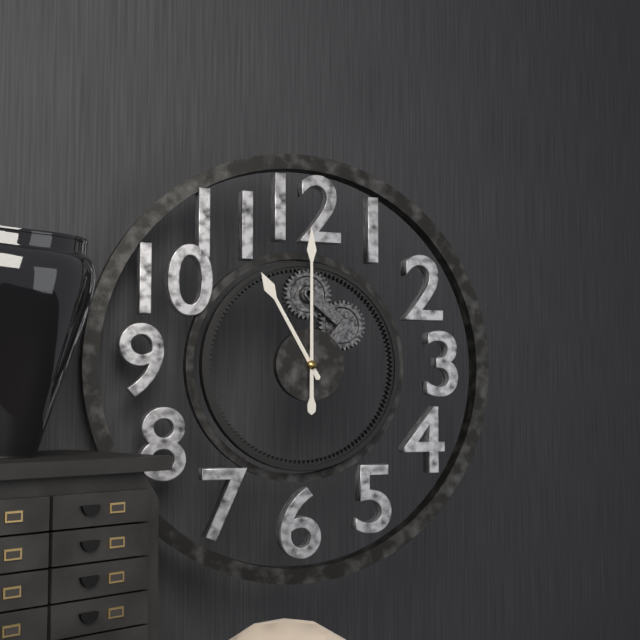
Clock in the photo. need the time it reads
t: 11:00
